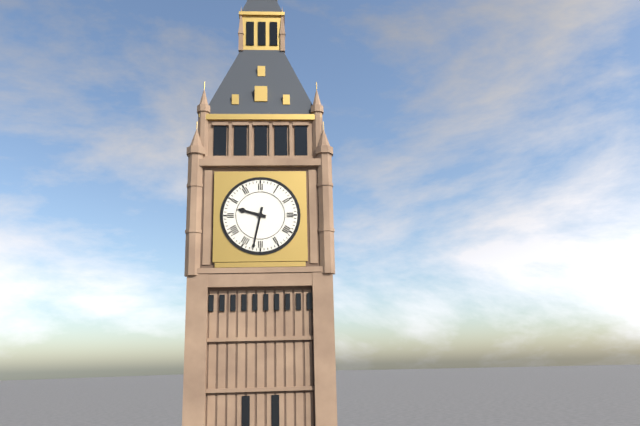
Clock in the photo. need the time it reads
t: 9:32
